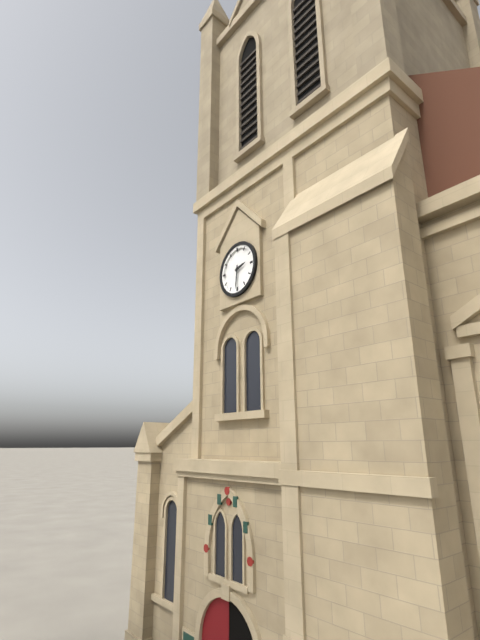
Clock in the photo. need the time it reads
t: 2:31
